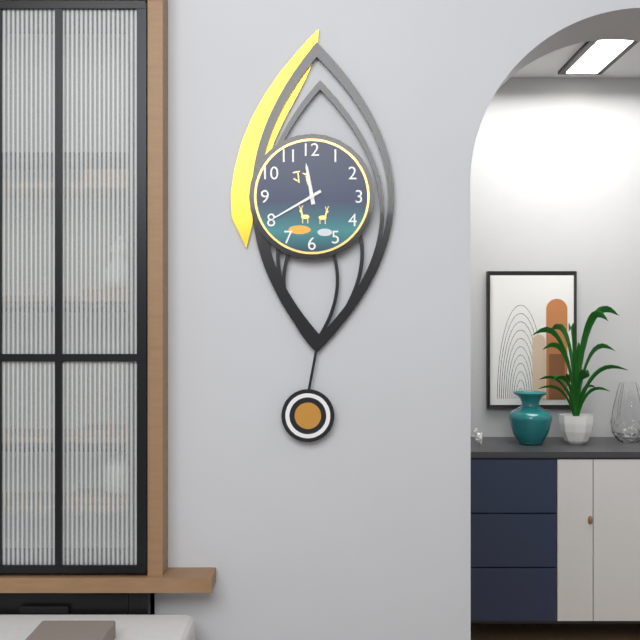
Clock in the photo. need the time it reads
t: 11:40
